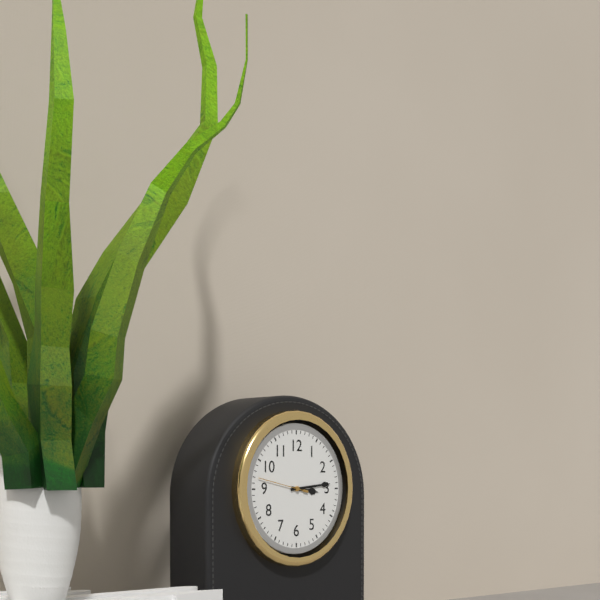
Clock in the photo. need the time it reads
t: 3:14:47
